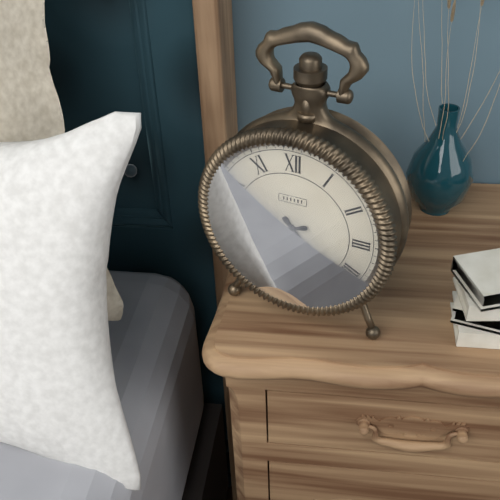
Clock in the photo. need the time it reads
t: 4:42
